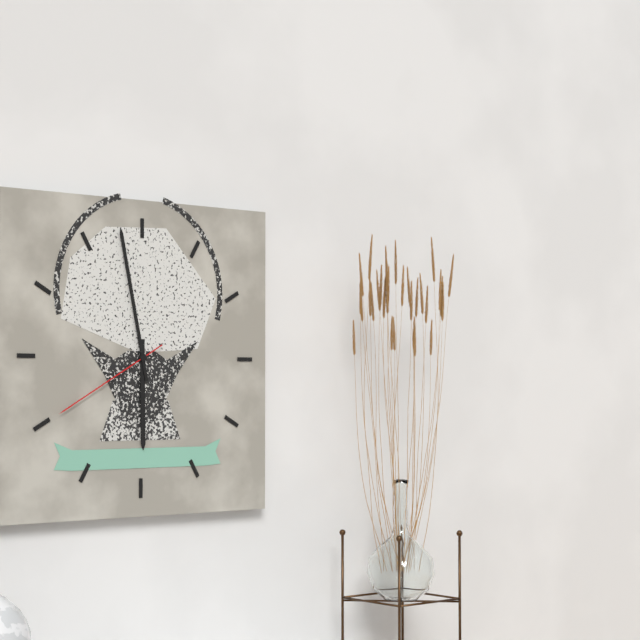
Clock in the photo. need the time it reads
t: 5:58:40
